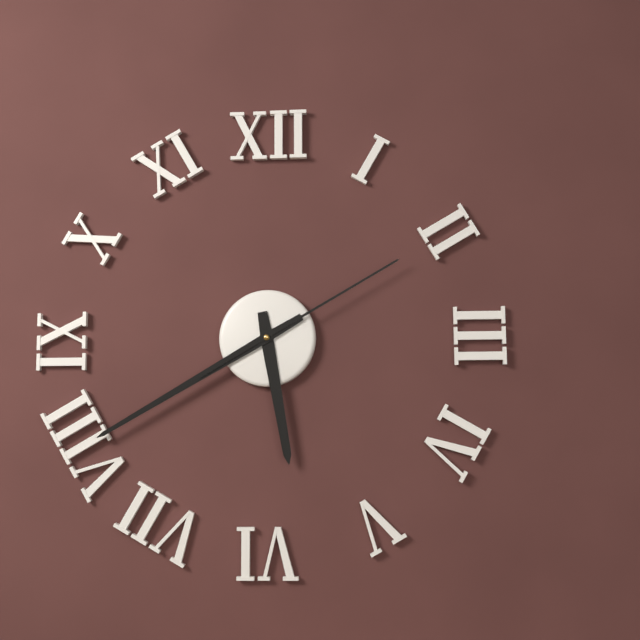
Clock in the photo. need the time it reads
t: 5:40:10
